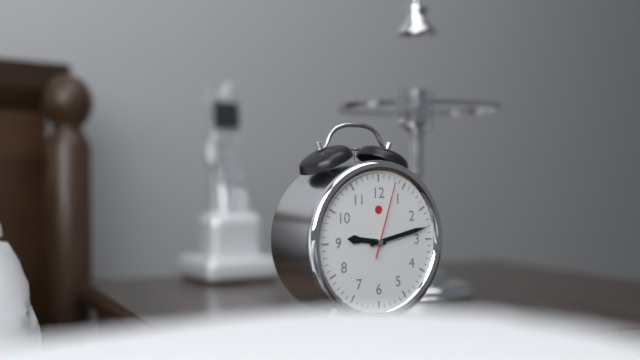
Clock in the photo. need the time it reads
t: 9:13:03
